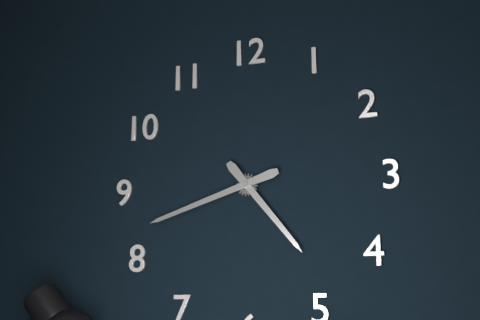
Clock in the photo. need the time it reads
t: 4:42
